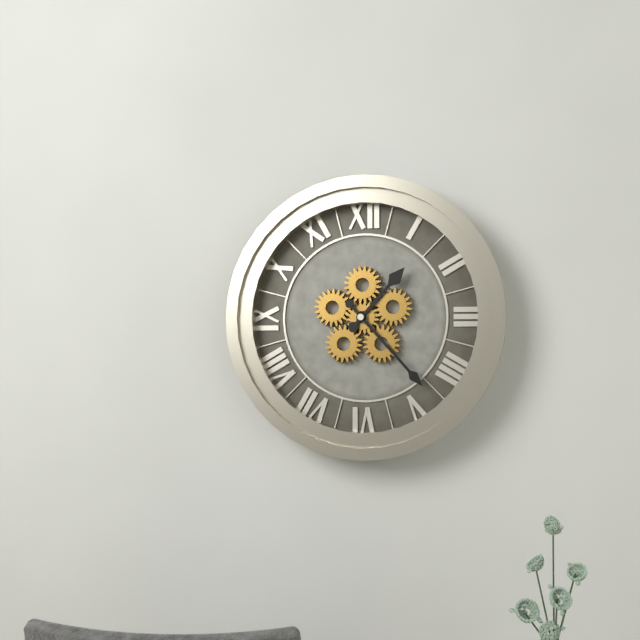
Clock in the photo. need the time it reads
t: 1:23
